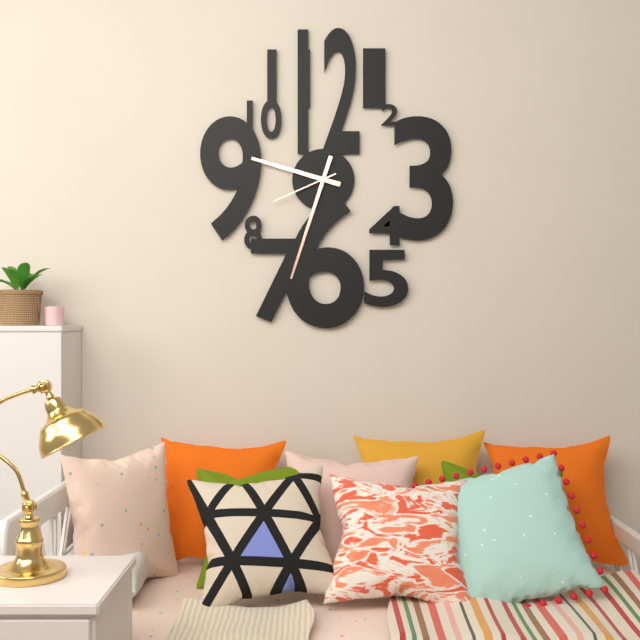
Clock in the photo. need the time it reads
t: 9:33:41
